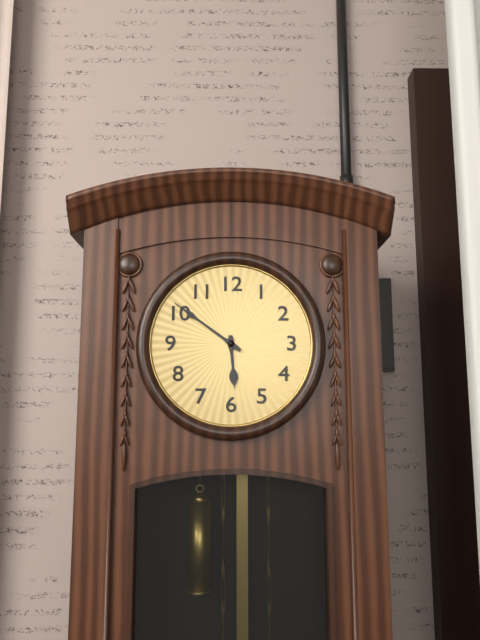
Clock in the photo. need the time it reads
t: 5:51
